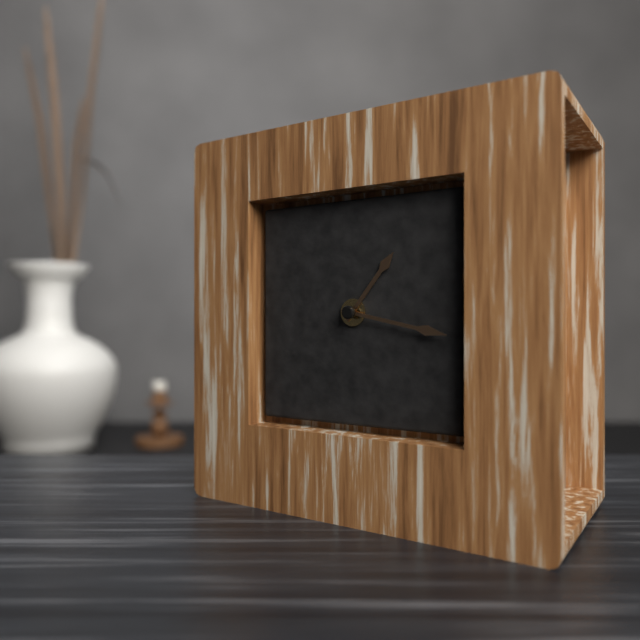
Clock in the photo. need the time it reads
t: 1:17
